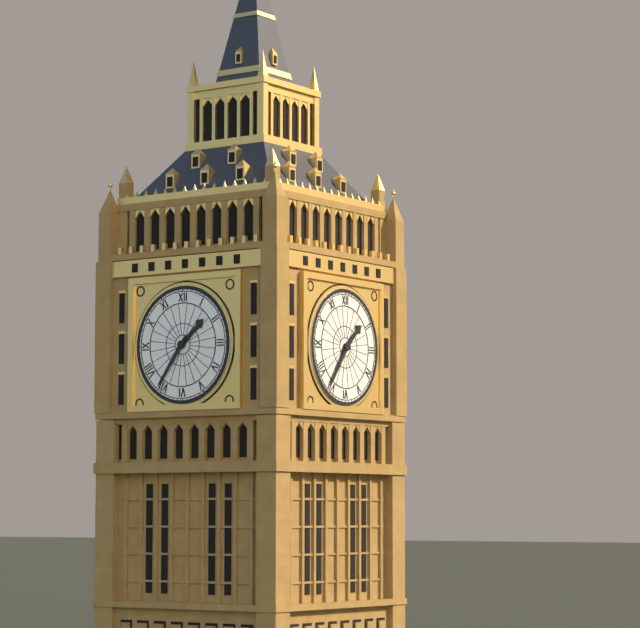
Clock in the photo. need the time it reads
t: 1:36
